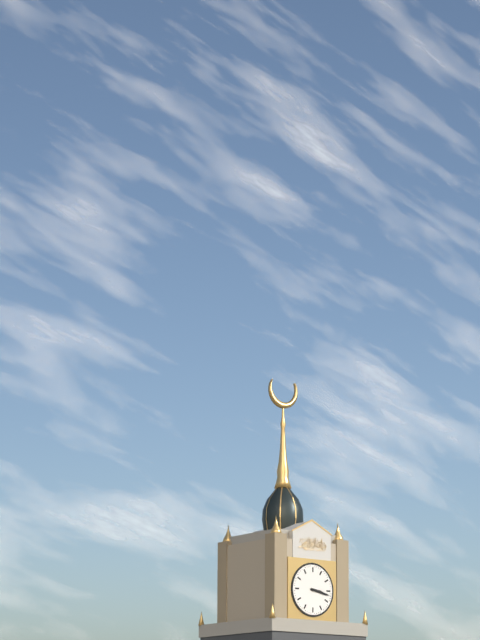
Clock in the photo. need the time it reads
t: 3:17
